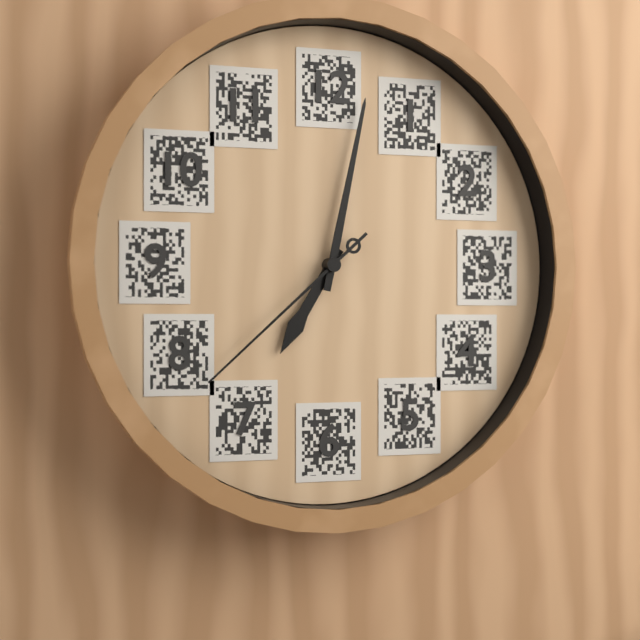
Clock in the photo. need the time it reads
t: 7:02:38
